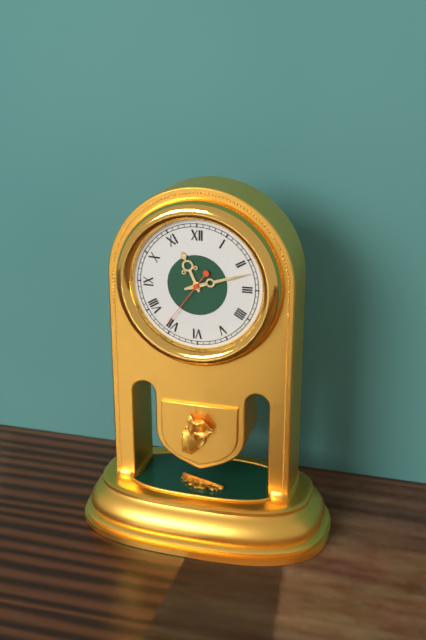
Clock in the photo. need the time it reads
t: 11:12:36
